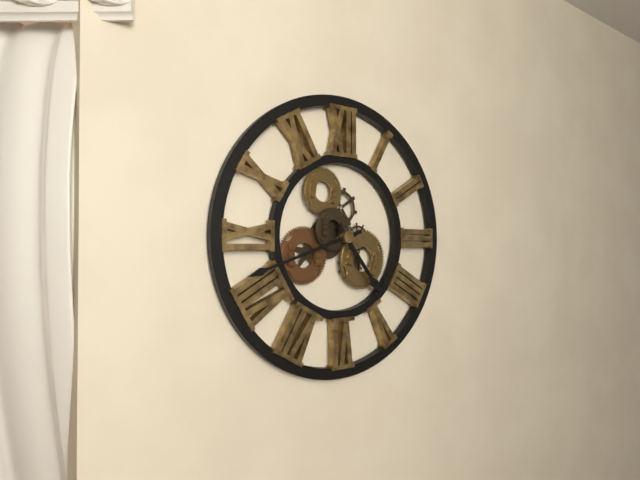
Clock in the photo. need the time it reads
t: 4:42
